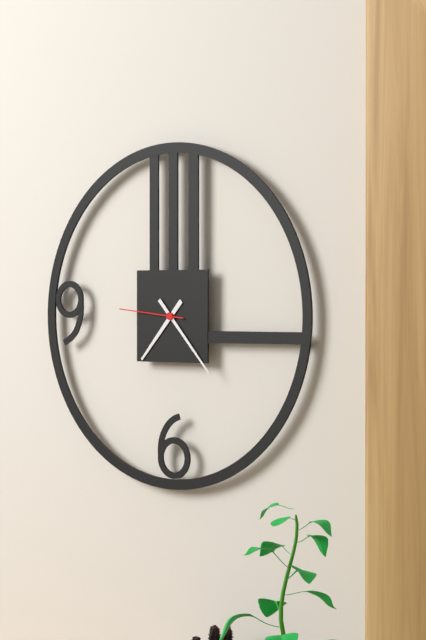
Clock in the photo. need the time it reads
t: 7:23:46
